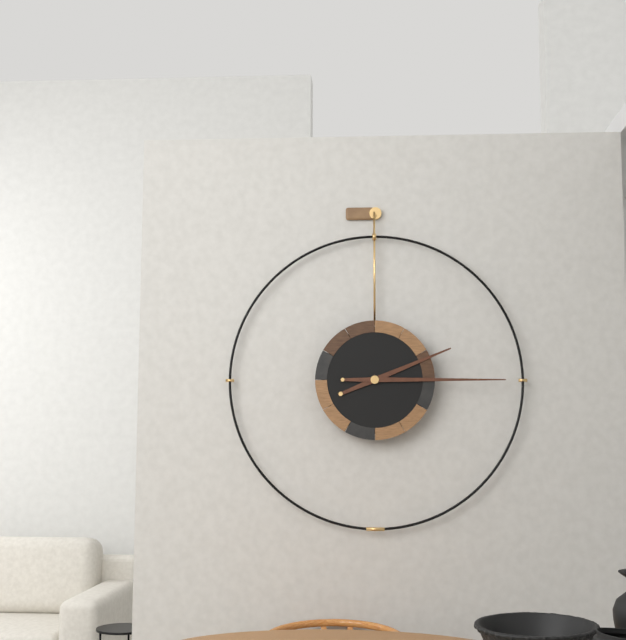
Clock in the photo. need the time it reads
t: 2:15
